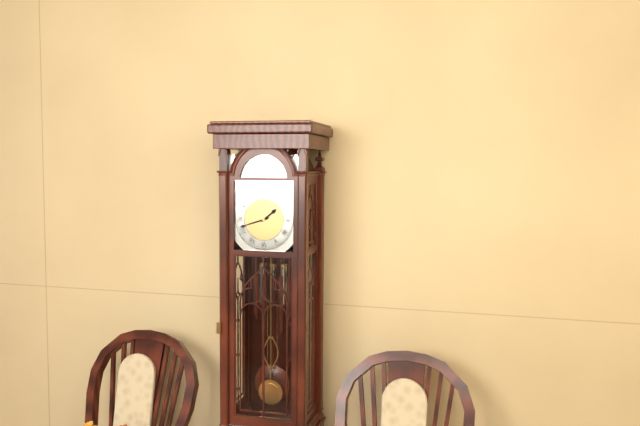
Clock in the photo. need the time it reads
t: 1:42
